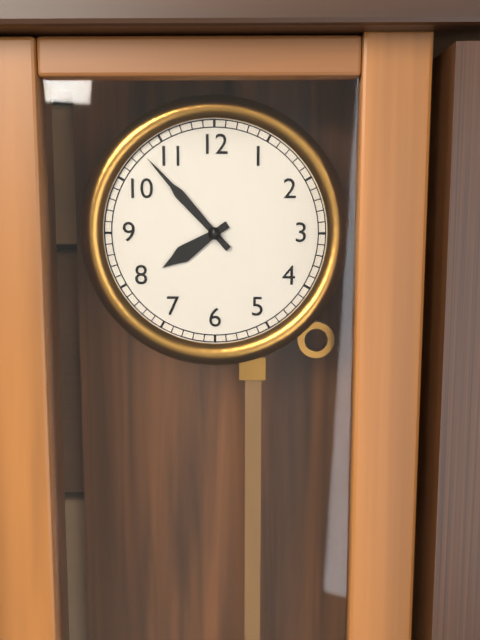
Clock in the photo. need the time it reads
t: 7:53
